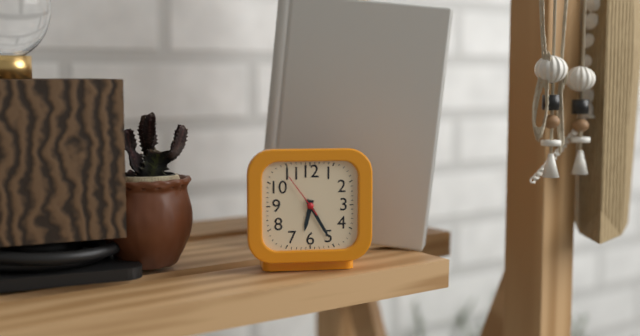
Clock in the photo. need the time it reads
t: 6:25
